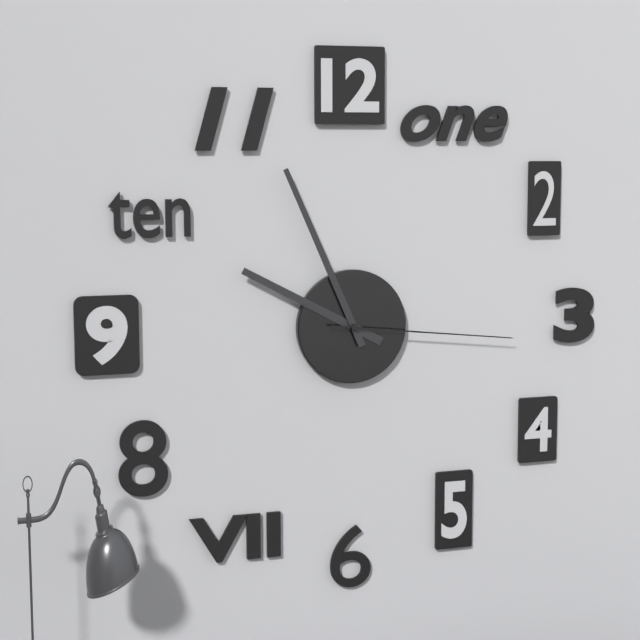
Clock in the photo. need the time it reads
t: 9:56:16
